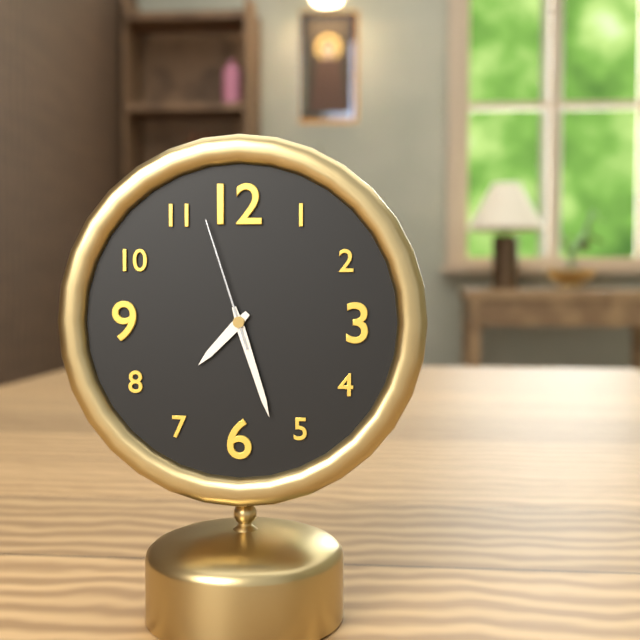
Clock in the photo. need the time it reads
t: 7:27:57
